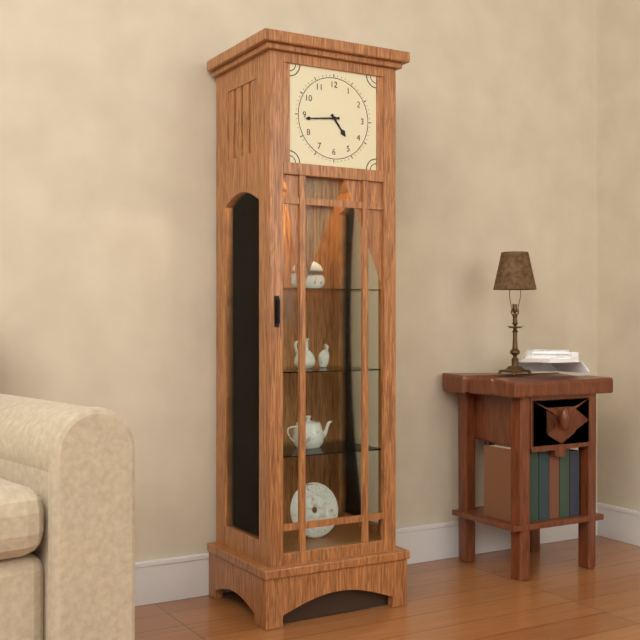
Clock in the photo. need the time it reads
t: 4:44
